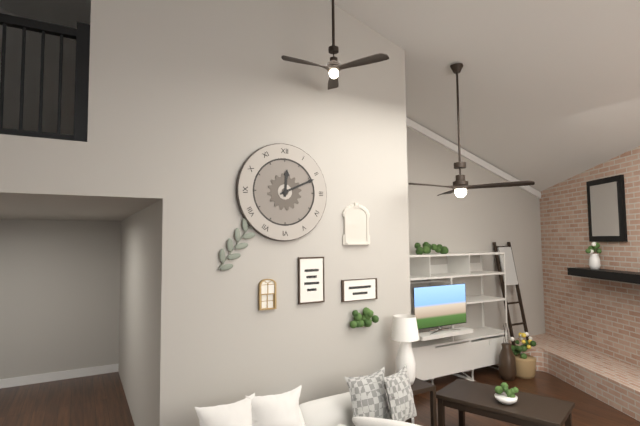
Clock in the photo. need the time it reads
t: 12:11
